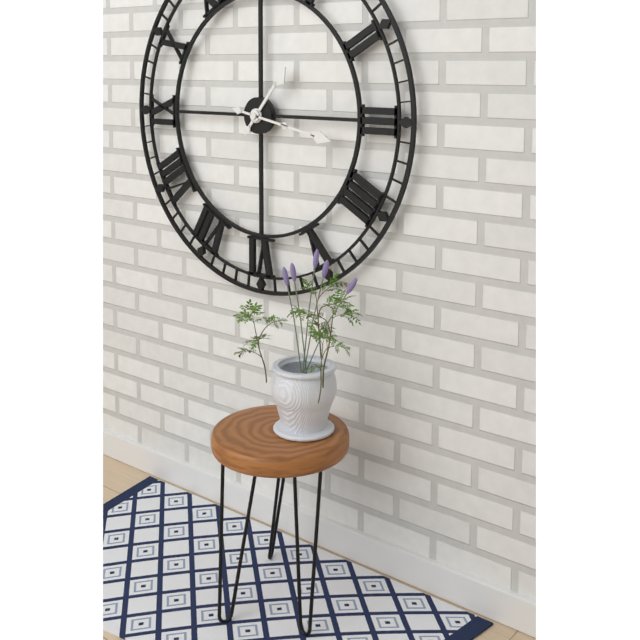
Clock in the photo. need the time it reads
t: 1:17
